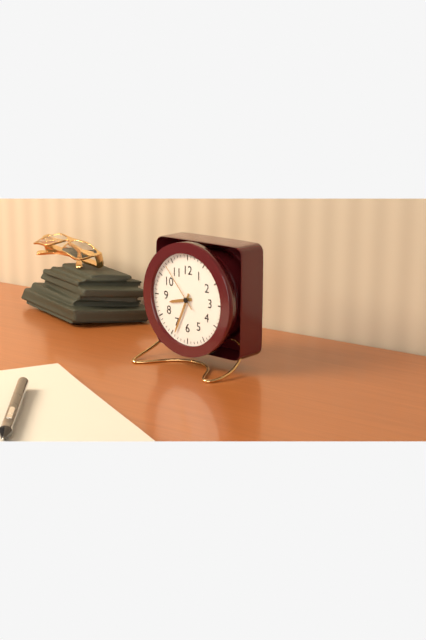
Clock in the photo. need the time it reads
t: 8:34
